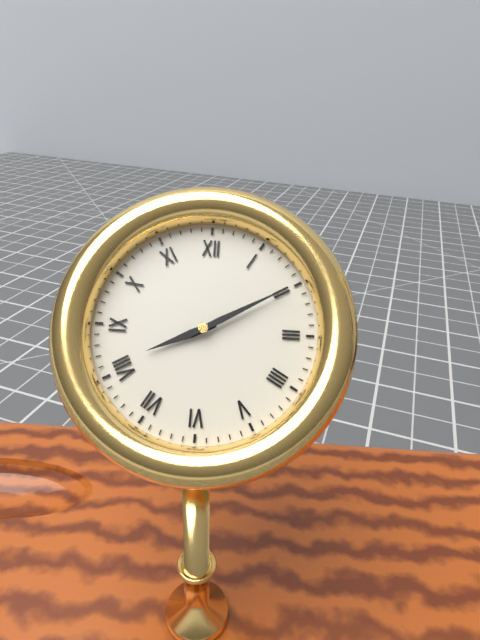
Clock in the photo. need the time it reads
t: 8:10
